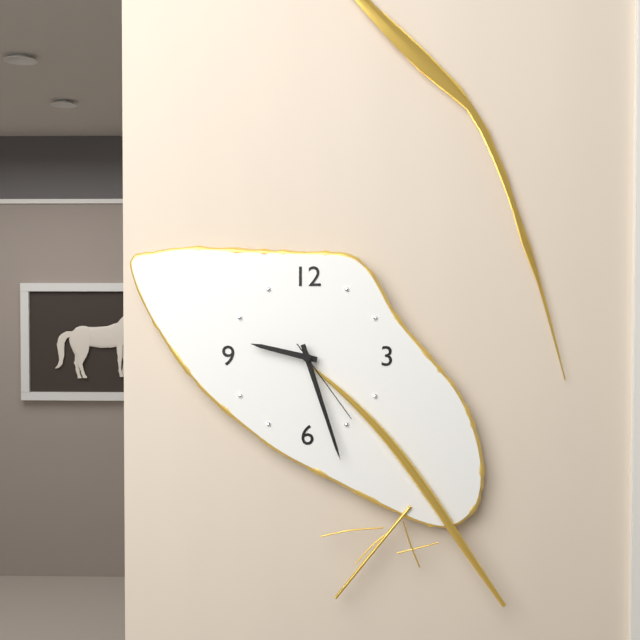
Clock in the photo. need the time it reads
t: 9:27:24
